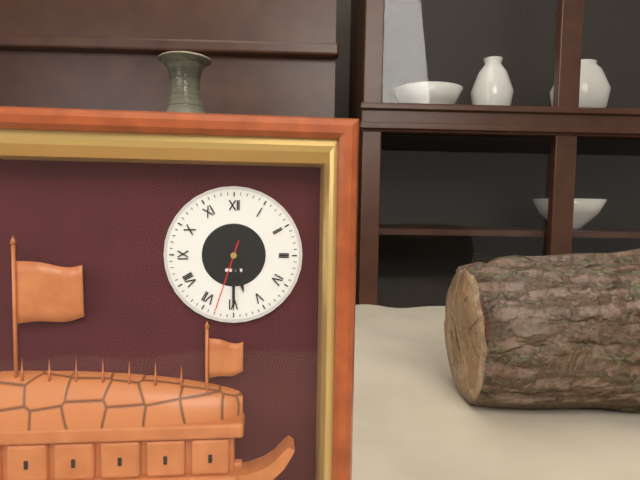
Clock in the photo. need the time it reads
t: 5:30:33
